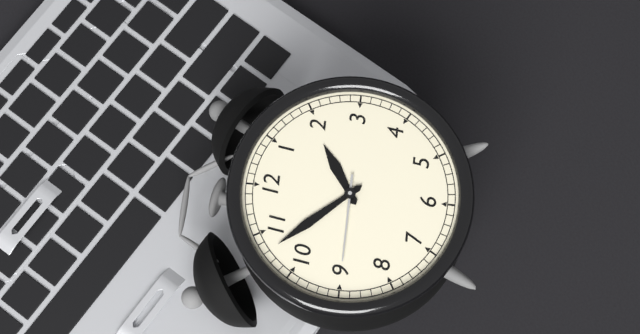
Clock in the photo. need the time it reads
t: 1:53:45
